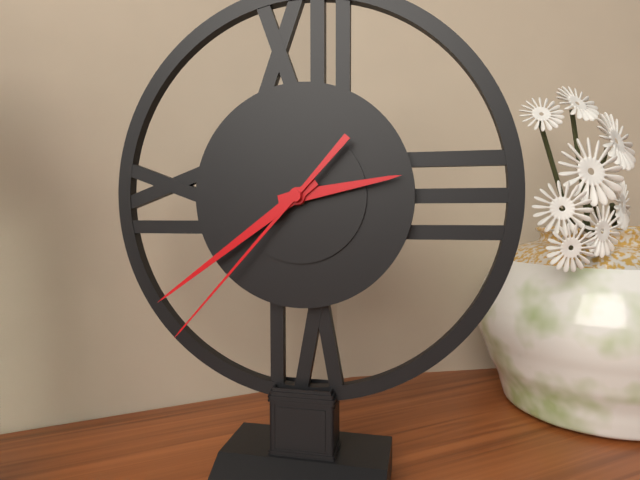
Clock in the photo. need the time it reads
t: 2:39:37
